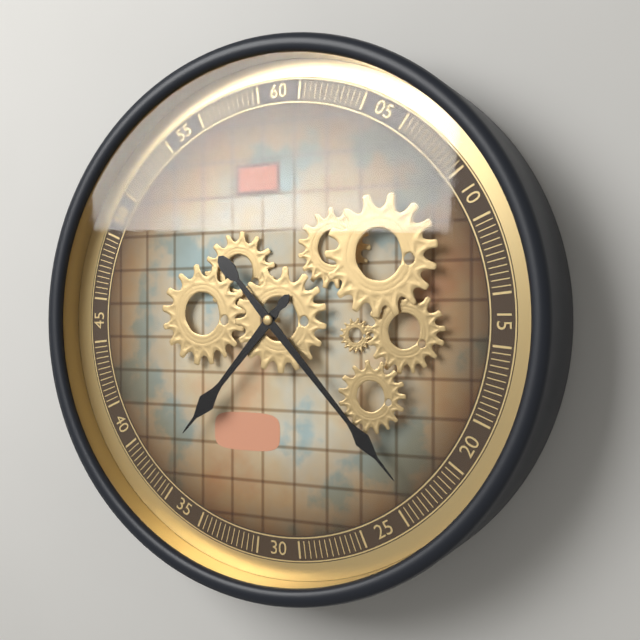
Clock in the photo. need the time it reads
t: 7:23
